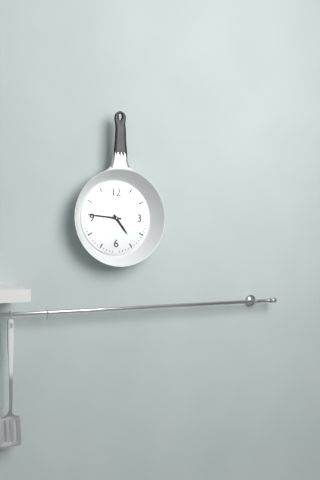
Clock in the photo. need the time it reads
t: 4:46
